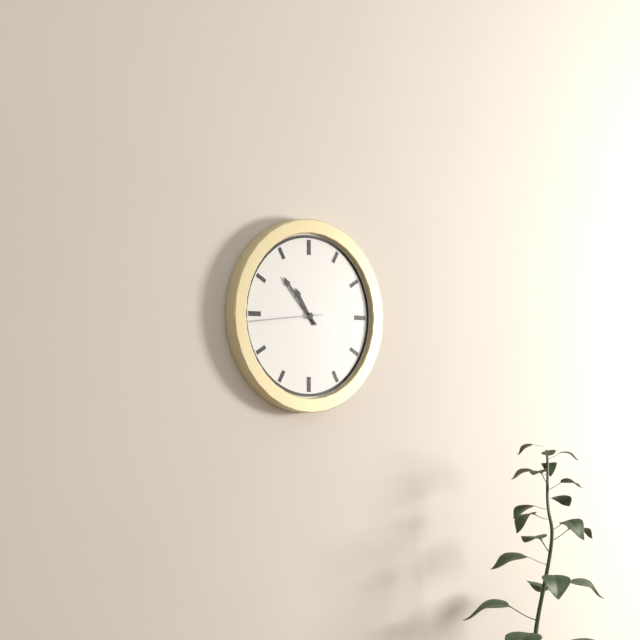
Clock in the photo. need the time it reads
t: 10:53:44
